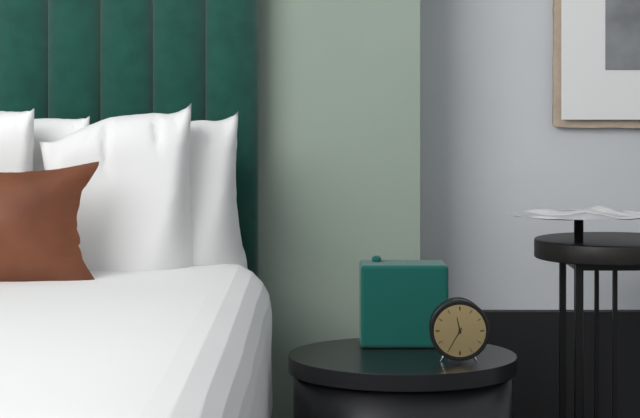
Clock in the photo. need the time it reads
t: 11:35
